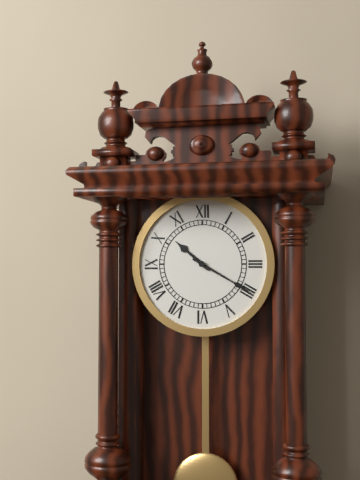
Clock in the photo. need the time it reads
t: 10:20
